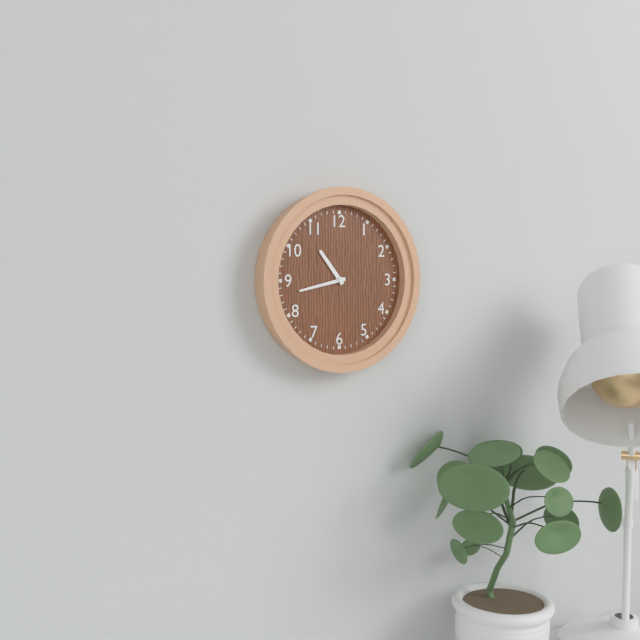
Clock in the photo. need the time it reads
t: 10:43
